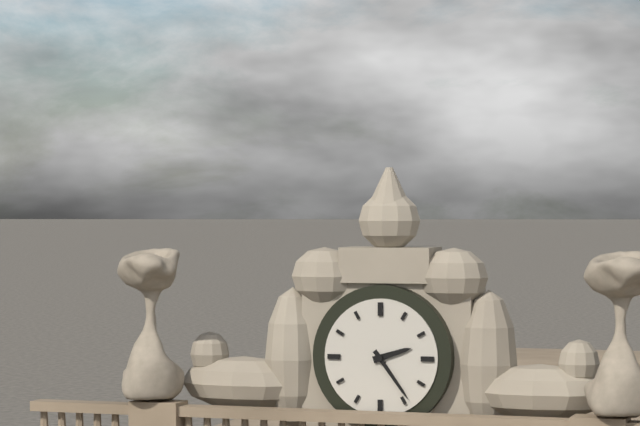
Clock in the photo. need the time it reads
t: 2:24
